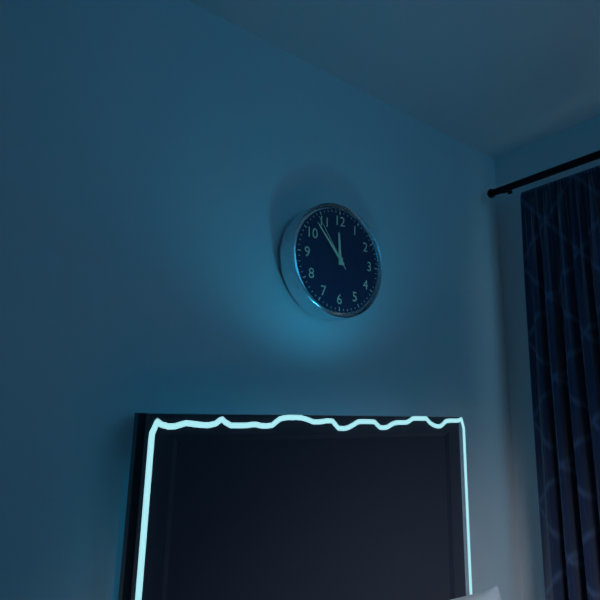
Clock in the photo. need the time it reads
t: 11:53:54
